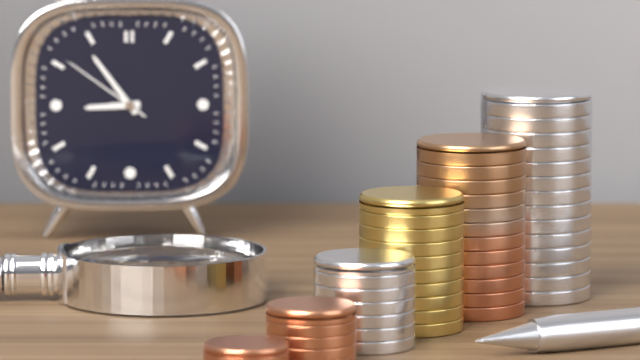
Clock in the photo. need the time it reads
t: 8:54:51
